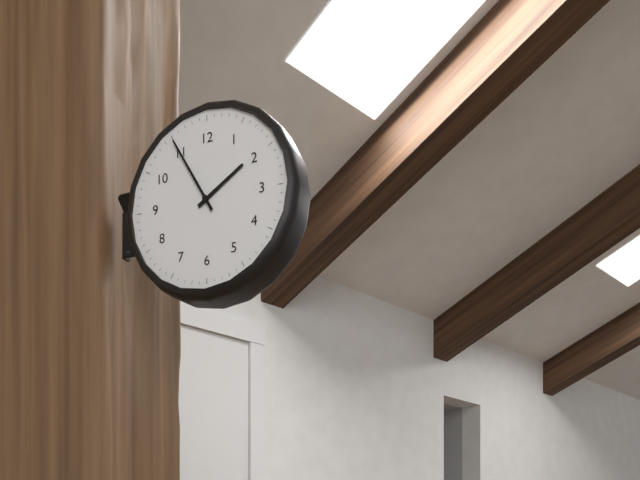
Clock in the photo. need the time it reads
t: 1:55
